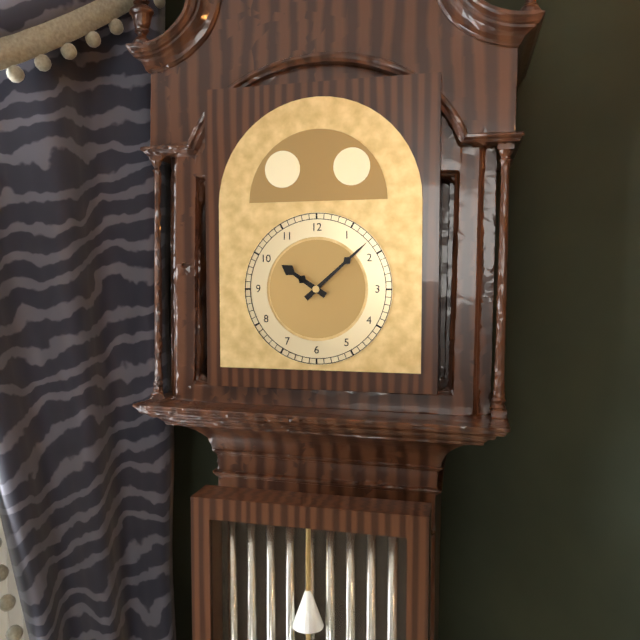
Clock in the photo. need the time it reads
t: 10:08
